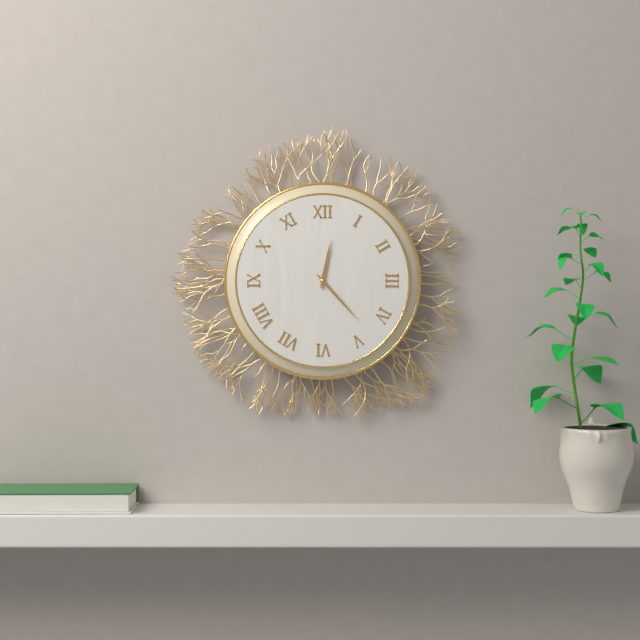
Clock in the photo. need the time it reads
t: 12:23
